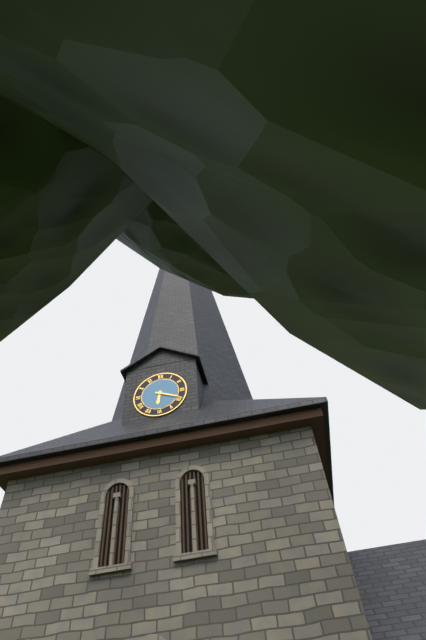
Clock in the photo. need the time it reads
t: 6:19
